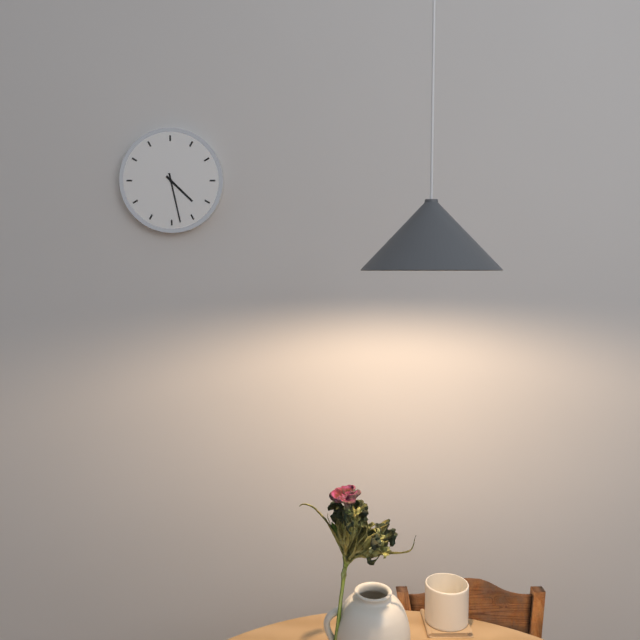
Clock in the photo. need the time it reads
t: 4:28
